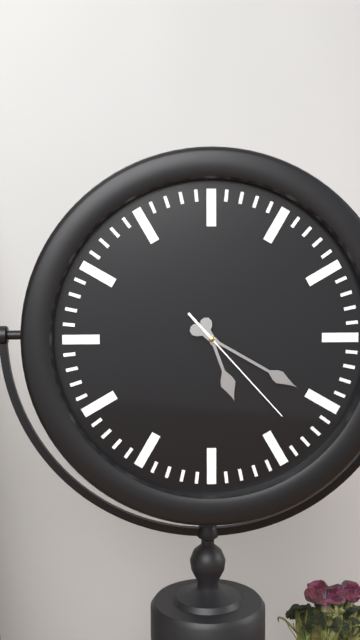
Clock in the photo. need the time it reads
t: 5:20:23
